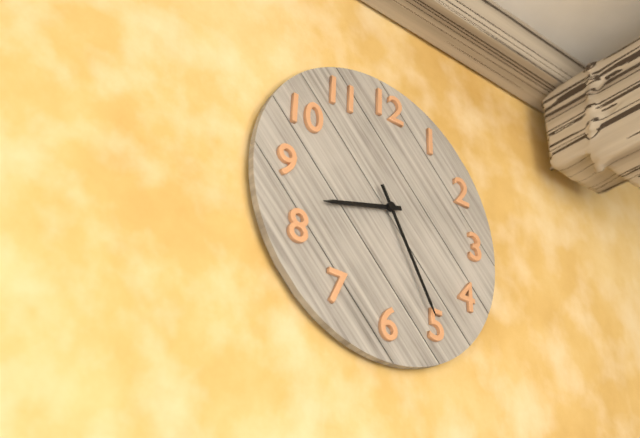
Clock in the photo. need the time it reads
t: 8:25
